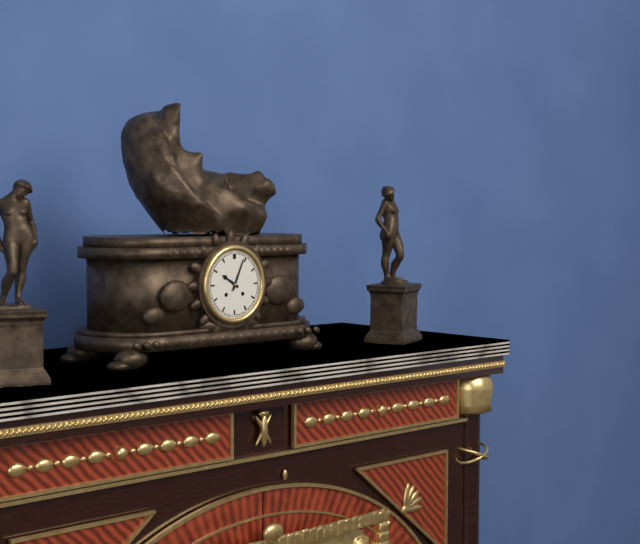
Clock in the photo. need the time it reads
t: 10:04
